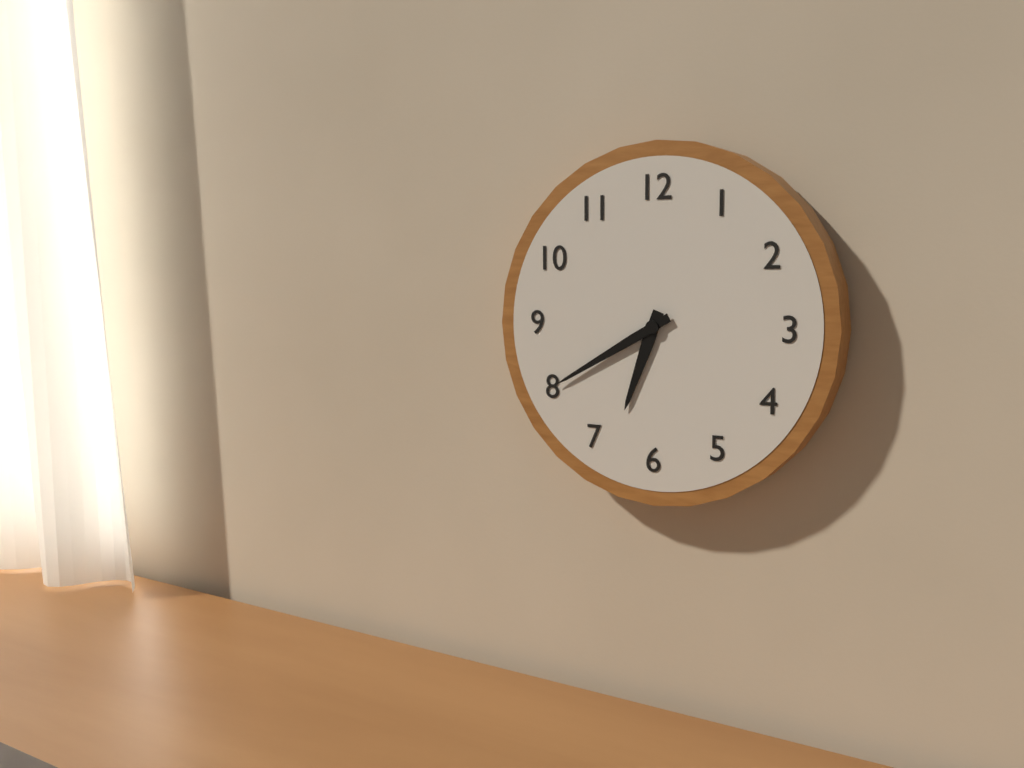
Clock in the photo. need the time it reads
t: 6:40
